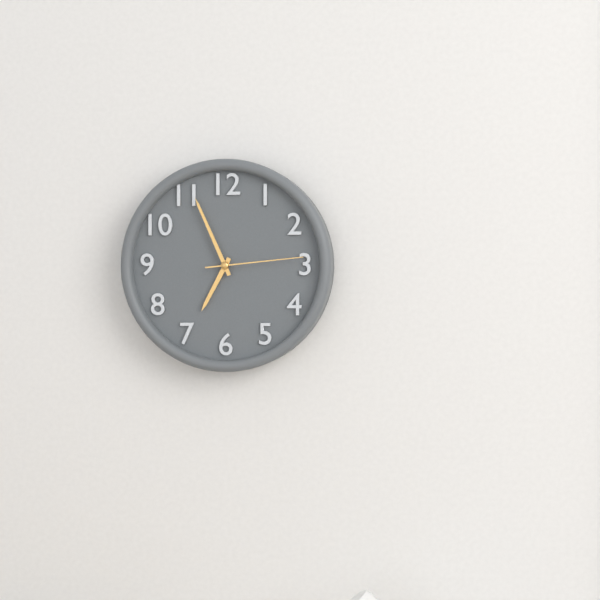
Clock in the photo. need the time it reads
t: 6:56:14
